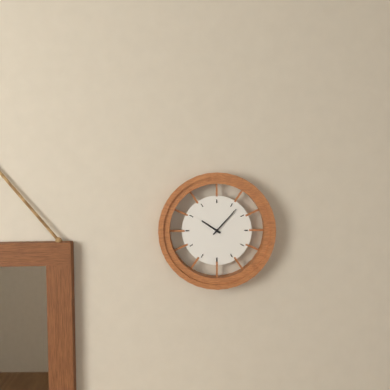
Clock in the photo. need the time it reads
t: 10:07
